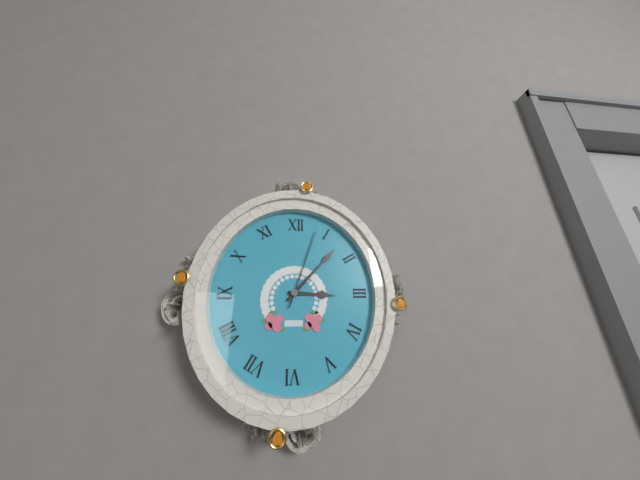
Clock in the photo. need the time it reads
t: 3:07:03
